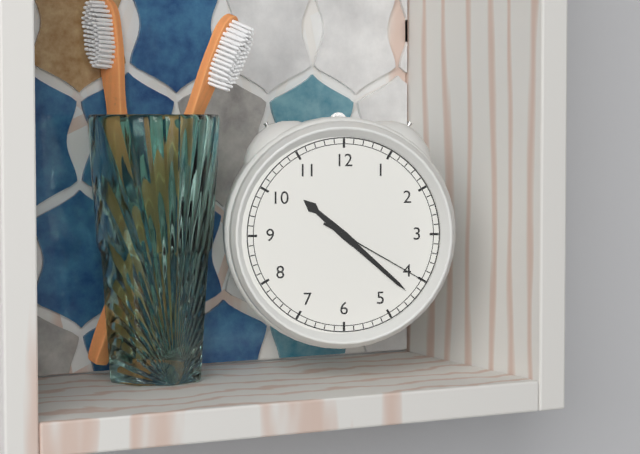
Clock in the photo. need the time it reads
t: 10:22:20
